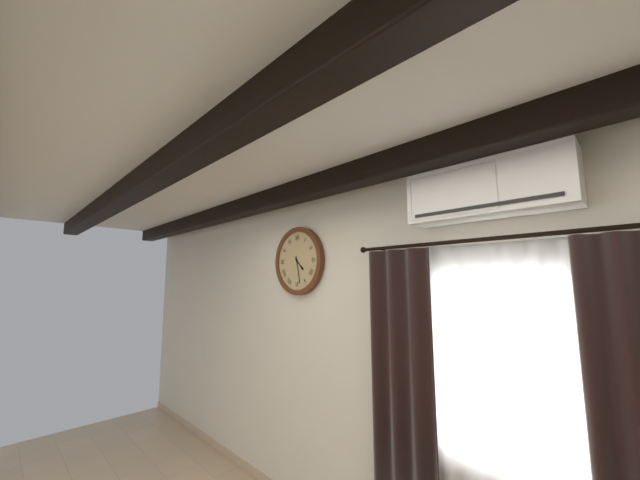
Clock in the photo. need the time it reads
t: 4:28
